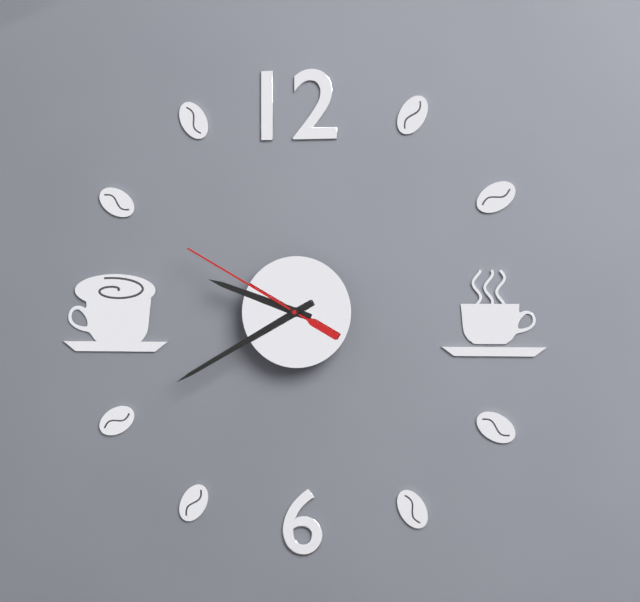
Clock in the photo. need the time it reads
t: 9:40:50
